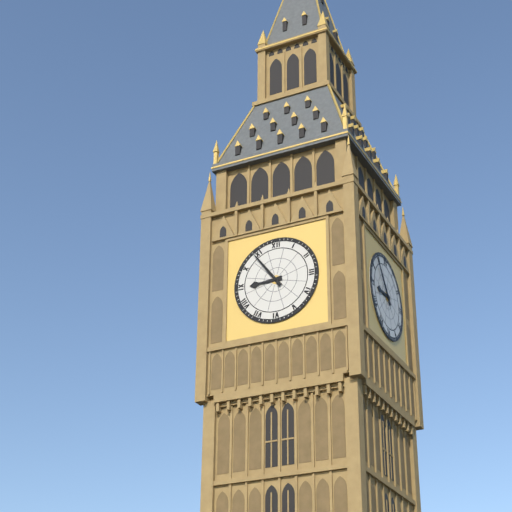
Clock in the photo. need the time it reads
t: 8:54
